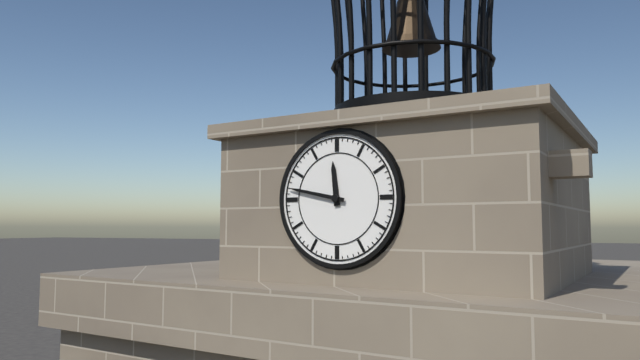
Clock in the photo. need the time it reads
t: 11:47
